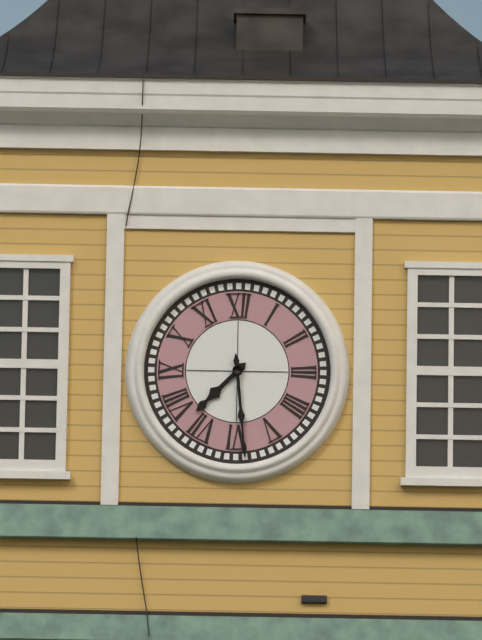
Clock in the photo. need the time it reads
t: 7:29
